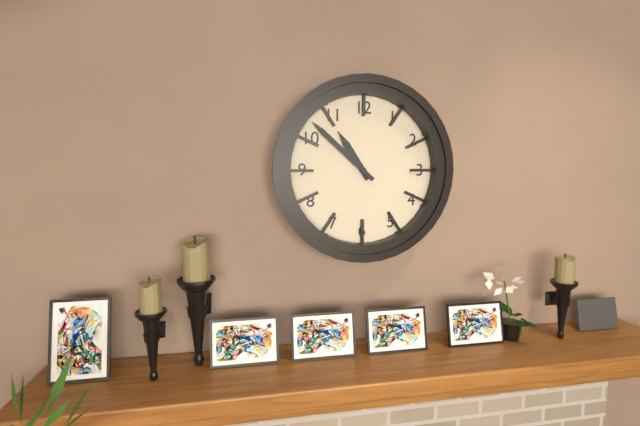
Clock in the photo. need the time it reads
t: 10:52
